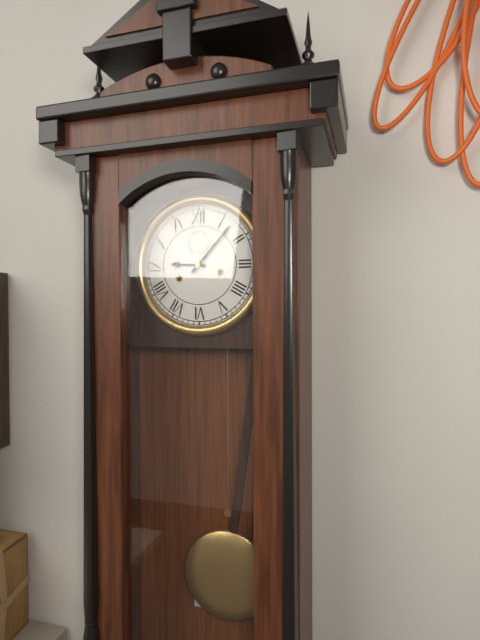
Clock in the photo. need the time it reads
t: 9:07
